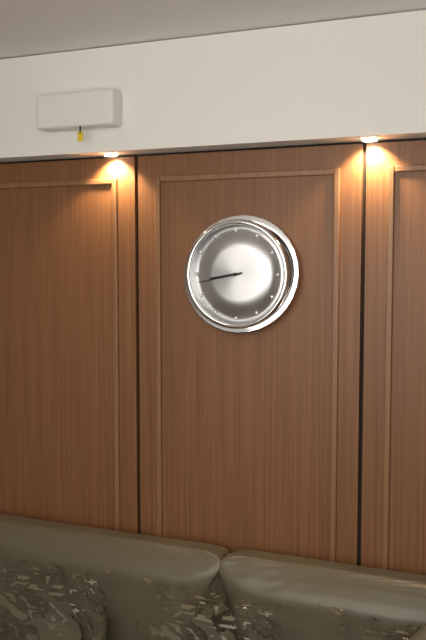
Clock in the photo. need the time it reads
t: 8:43
